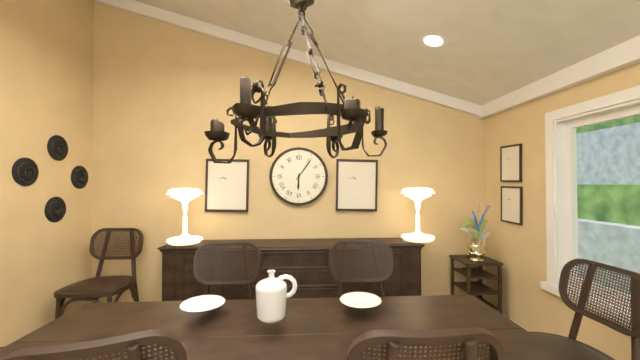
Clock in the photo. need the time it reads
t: 6:06
